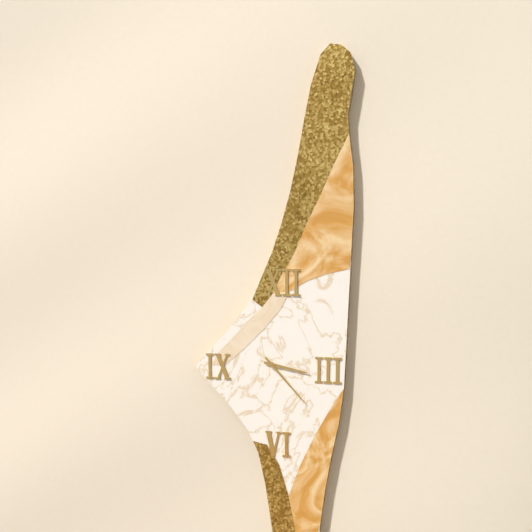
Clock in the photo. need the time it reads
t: 3:23
